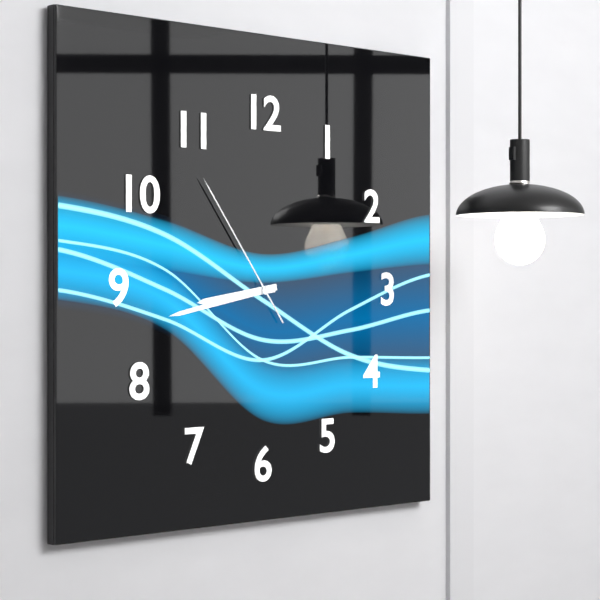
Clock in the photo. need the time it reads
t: 8:43:54
